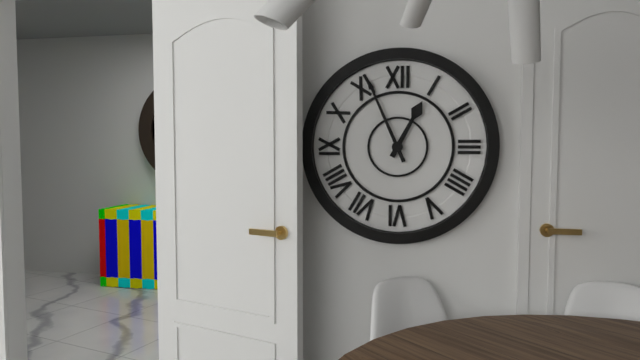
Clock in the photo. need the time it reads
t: 12:56
